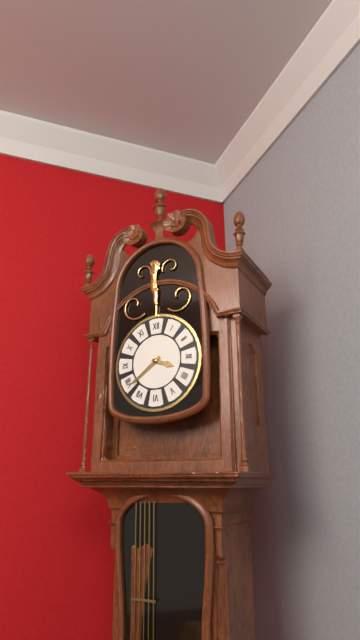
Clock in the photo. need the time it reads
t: 3:39
